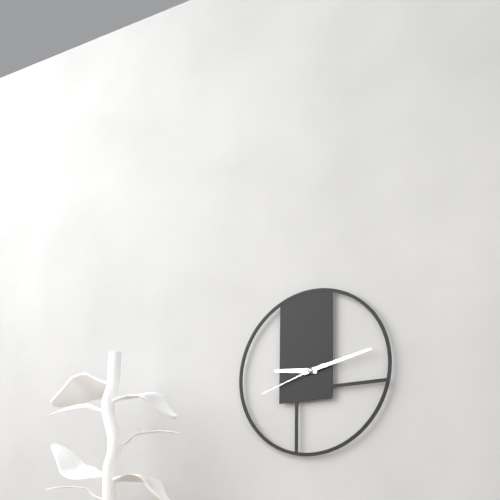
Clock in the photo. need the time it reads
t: 9:13:42
